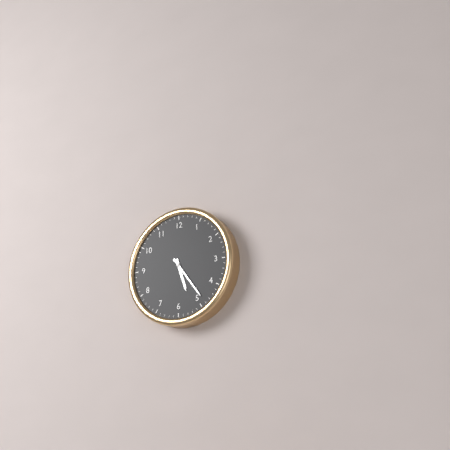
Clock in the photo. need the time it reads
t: 5:24
